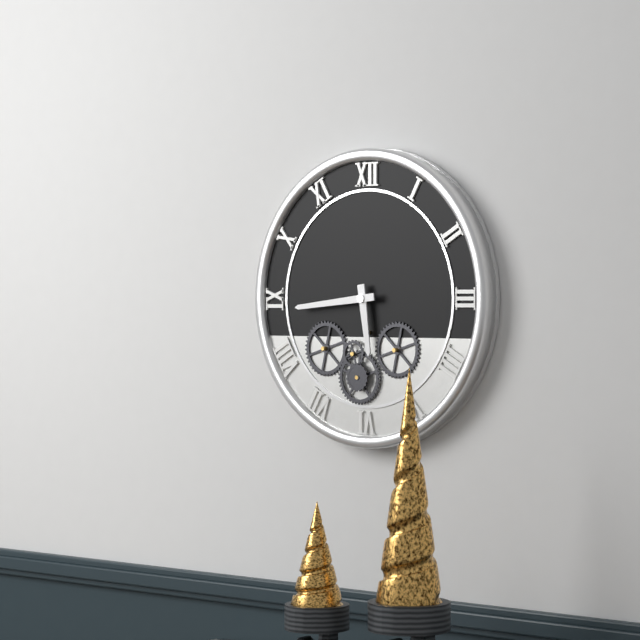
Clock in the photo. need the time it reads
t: 5:44
